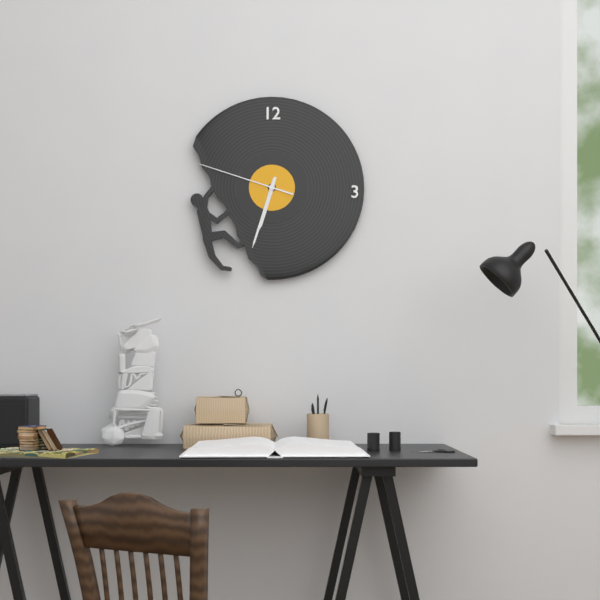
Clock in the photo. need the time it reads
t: 6:33:48
